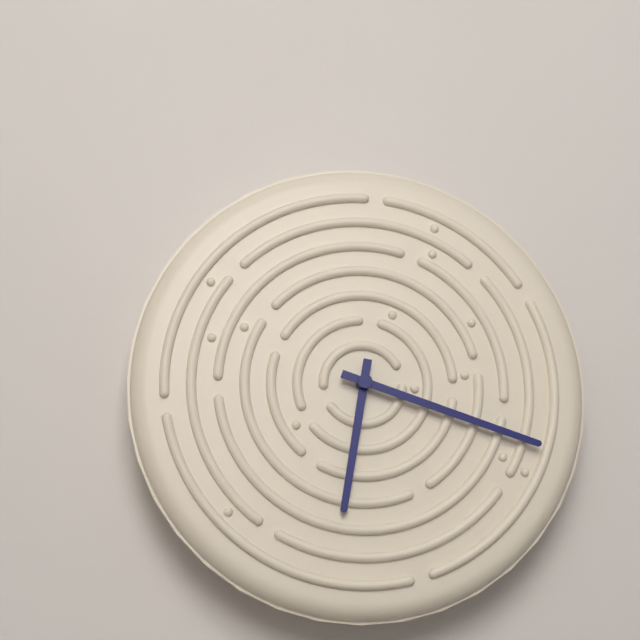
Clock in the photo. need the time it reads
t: 6:18
